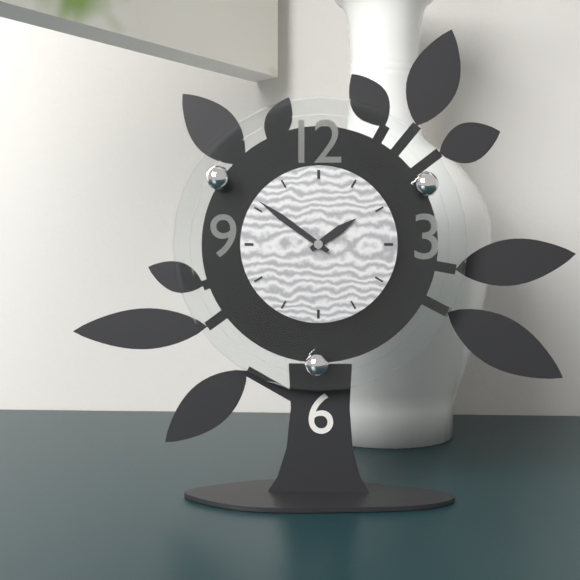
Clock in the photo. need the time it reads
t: 1:51
